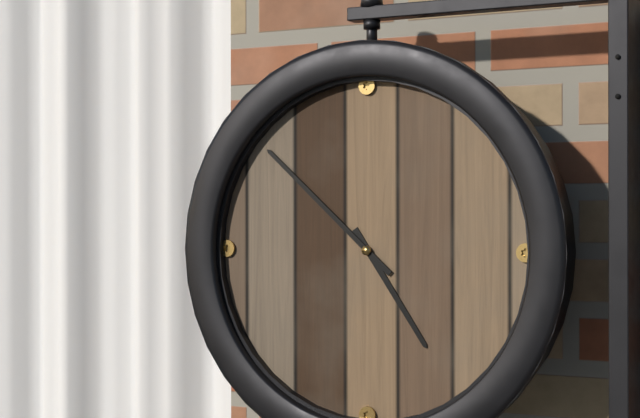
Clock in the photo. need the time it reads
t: 4:52
